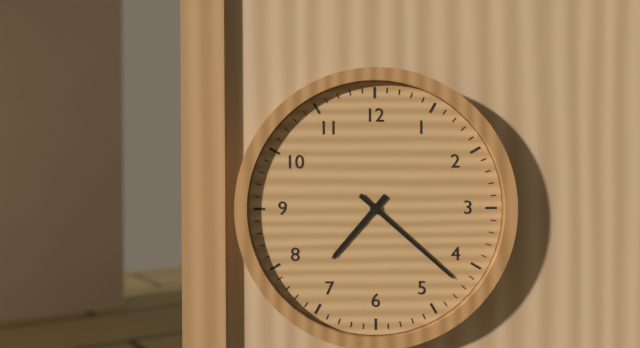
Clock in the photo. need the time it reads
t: 7:22
